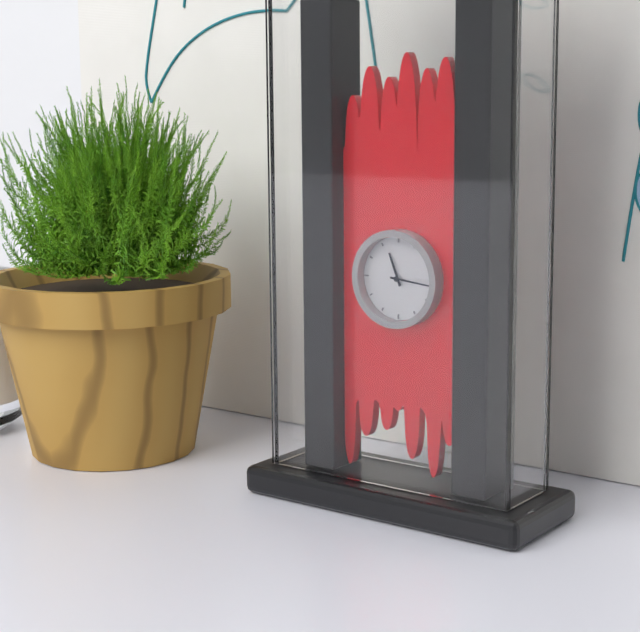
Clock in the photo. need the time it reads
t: 11:16
